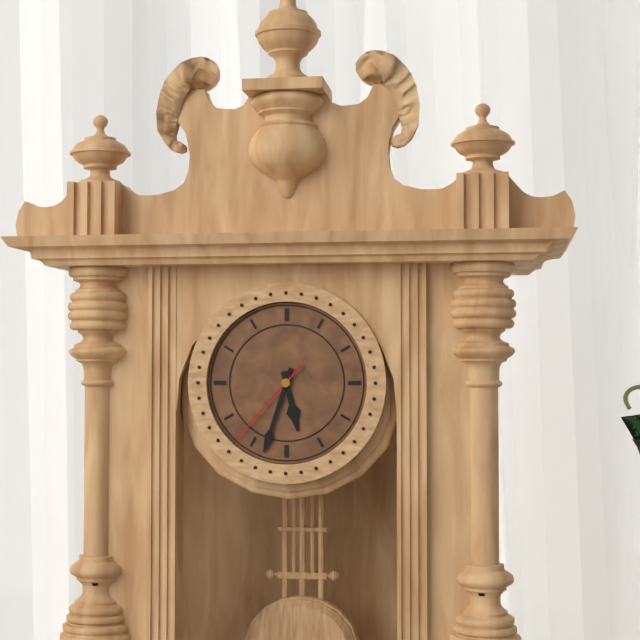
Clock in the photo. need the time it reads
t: 5:33:37
